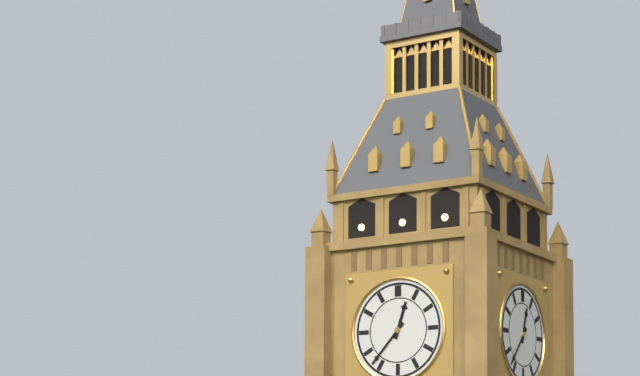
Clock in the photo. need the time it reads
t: 12:37
